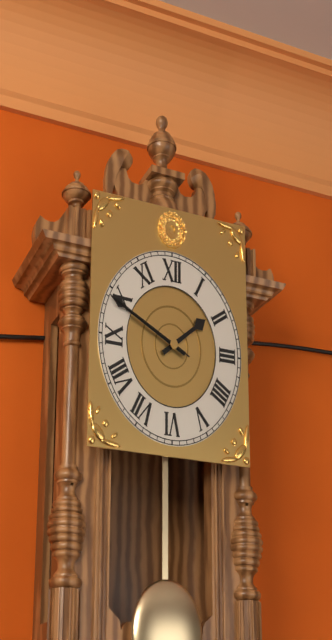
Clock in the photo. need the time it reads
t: 1:49:49
